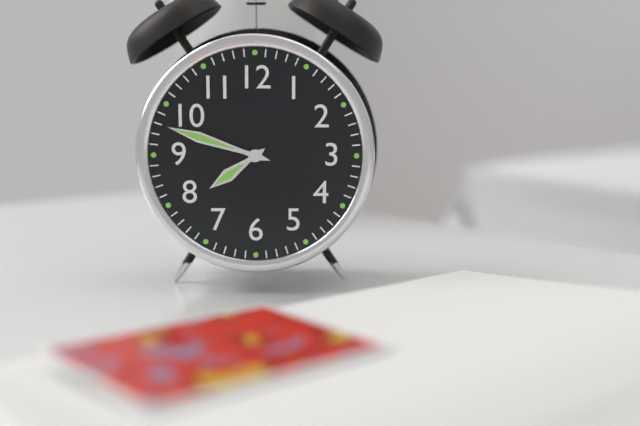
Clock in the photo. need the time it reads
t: 7:48
